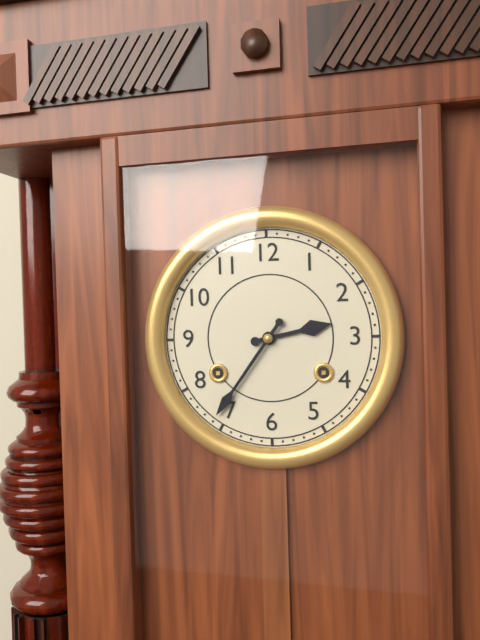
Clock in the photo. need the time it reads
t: 2:36
